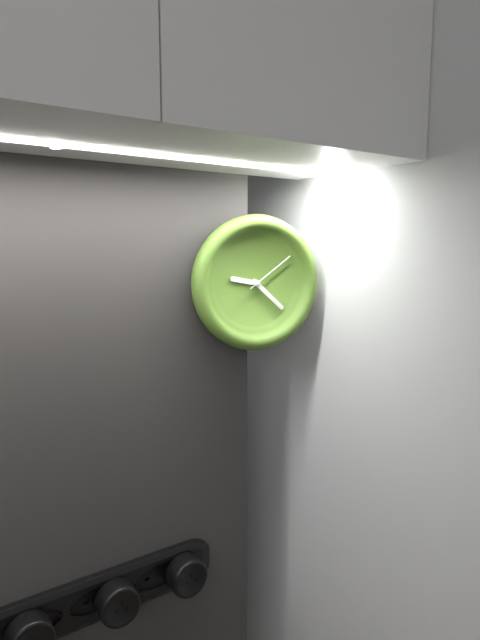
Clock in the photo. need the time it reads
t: 9:22:09
